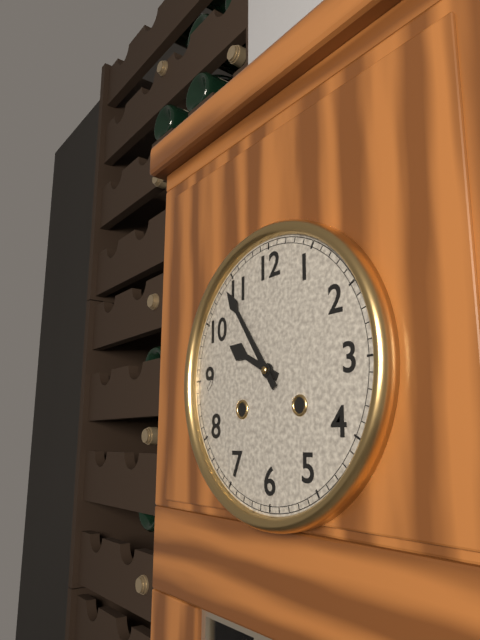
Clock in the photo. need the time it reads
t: 9:54
